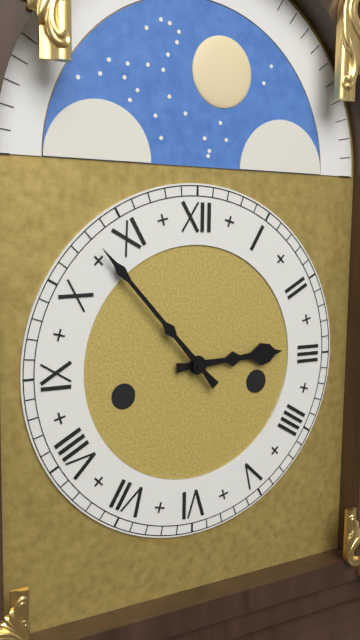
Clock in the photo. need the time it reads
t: 2:53
